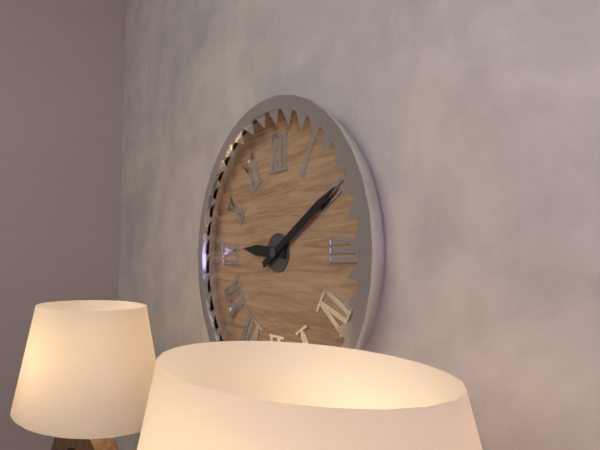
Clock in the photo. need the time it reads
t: 9:10
